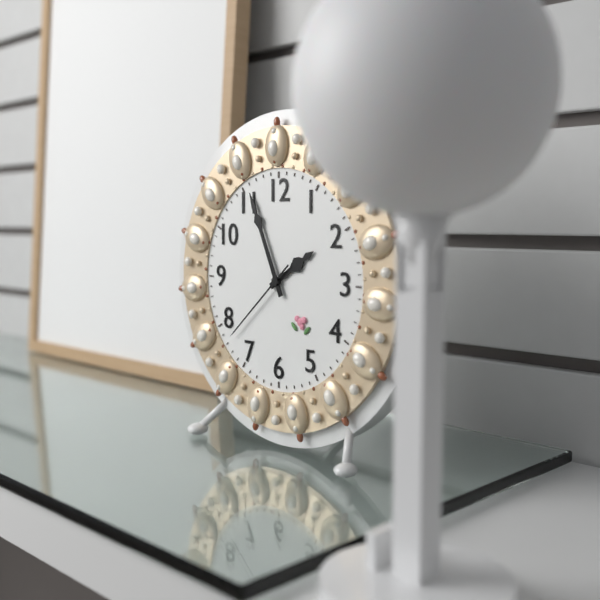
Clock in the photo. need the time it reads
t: 1:56:38
